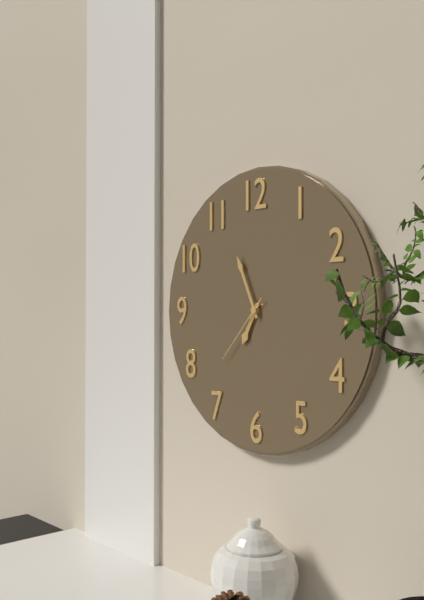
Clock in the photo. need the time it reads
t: 6:56:37
